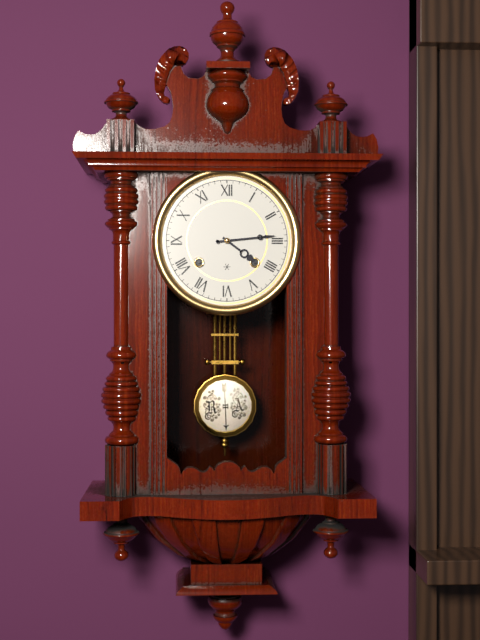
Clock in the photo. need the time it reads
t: 4:14
